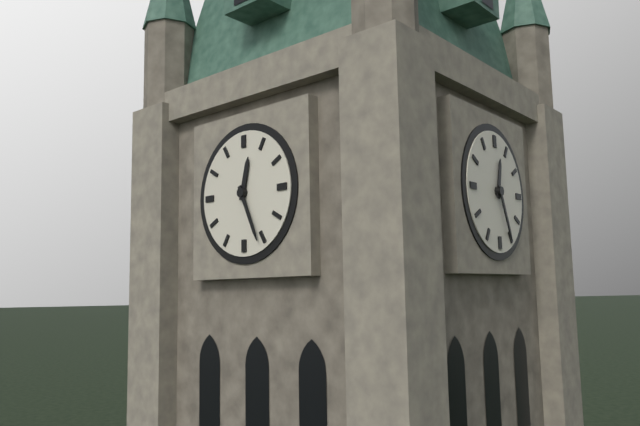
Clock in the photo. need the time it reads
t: 12:26
